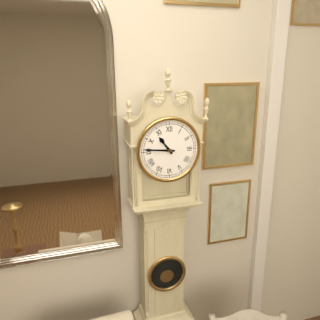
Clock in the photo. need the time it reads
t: 10:46
